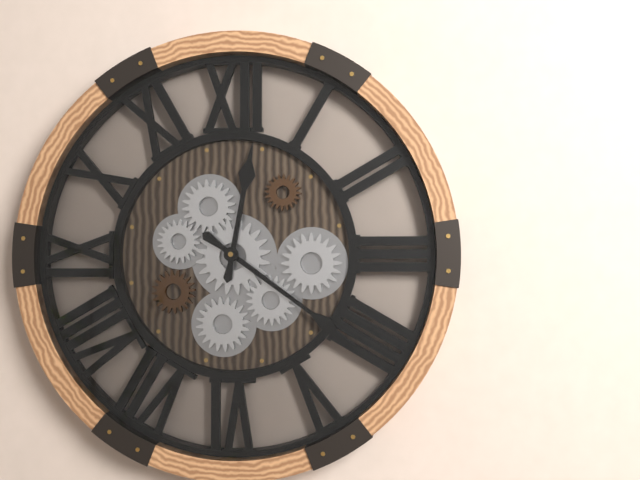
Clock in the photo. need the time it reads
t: 12:21
